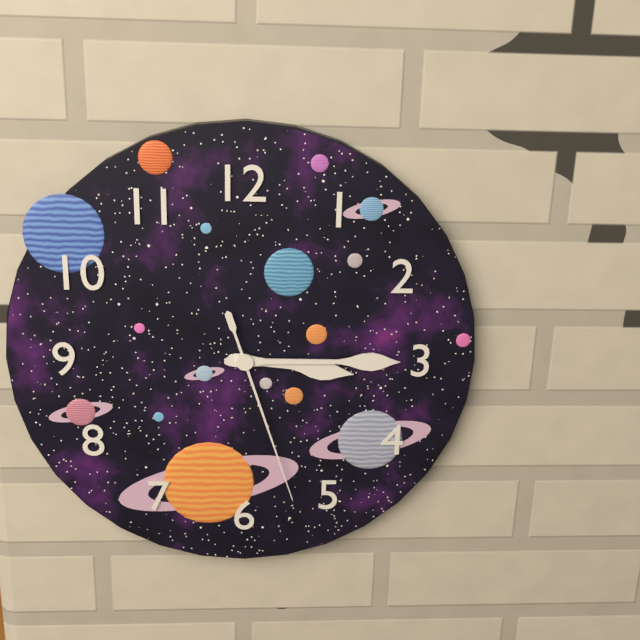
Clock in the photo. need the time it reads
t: 3:15:27
